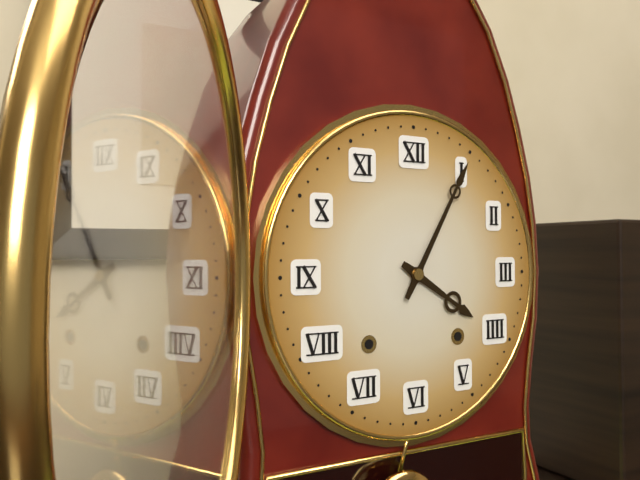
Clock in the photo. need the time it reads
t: 4:05
